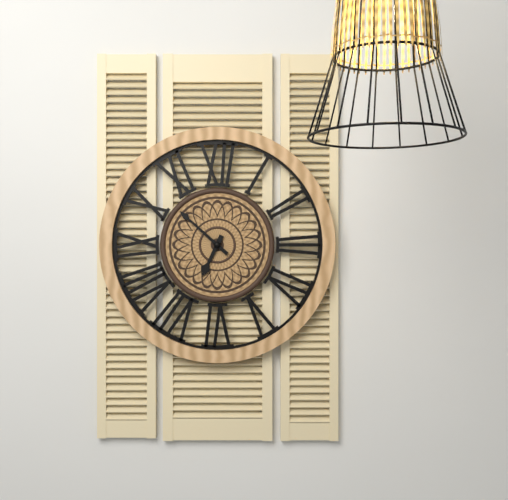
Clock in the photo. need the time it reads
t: 6:52
